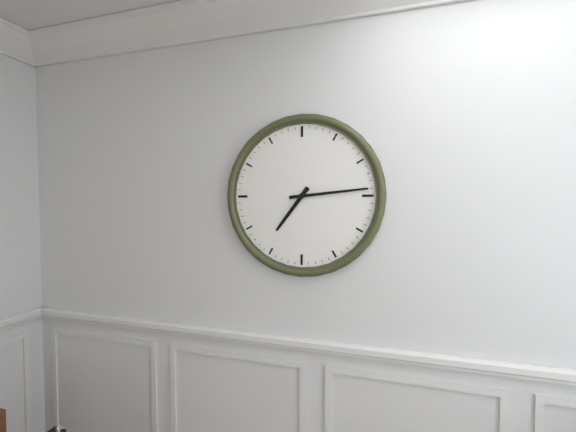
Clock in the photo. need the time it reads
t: 7:14
